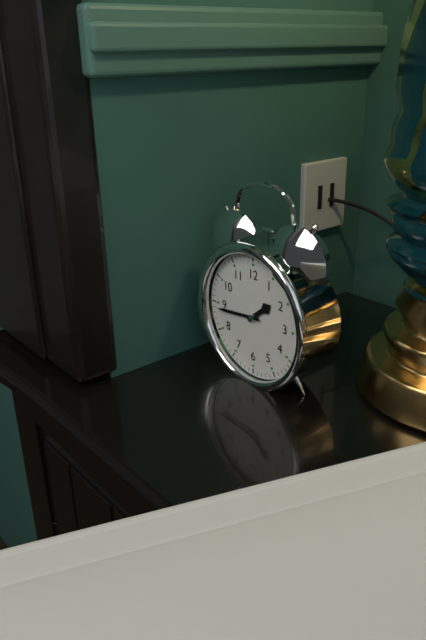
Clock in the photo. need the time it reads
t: 1:44
